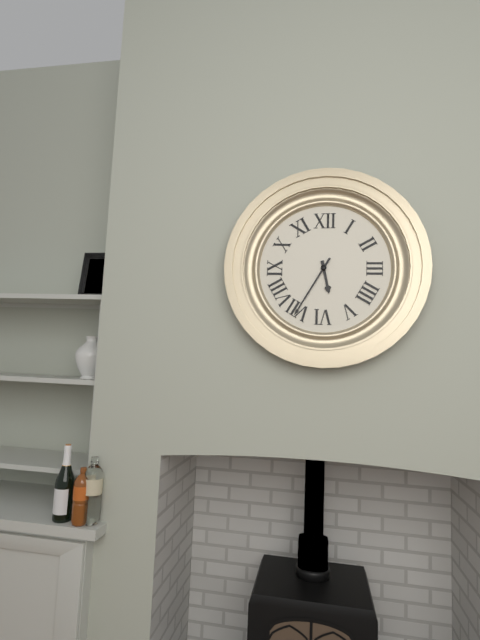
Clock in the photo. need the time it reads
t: 5:35
